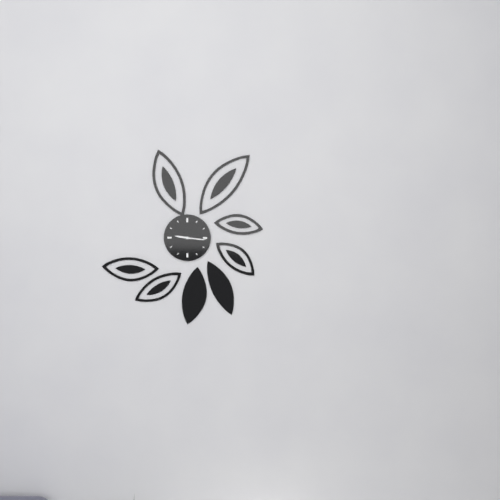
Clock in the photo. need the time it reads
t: 9:16
